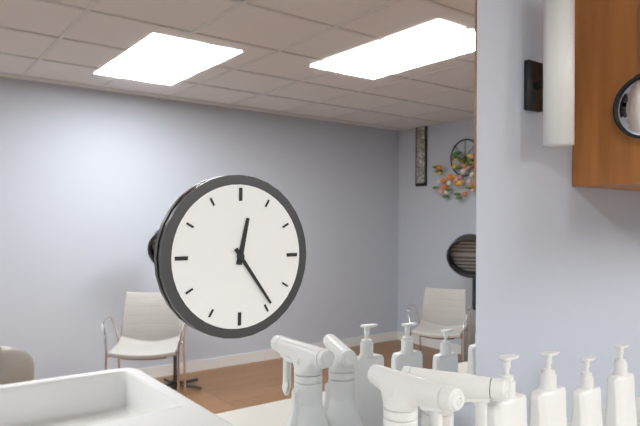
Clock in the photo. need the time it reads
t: 12:24
